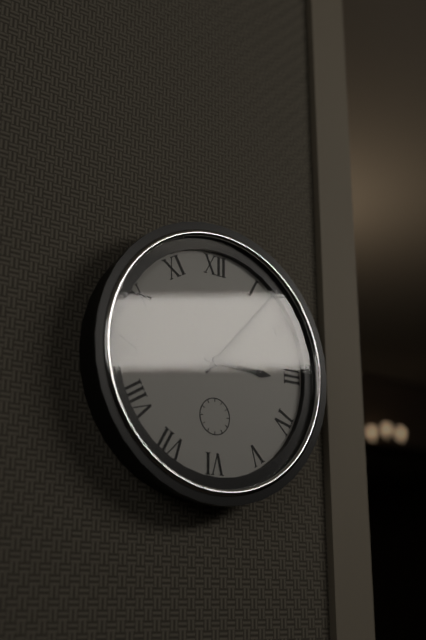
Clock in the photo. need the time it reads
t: 3:07
